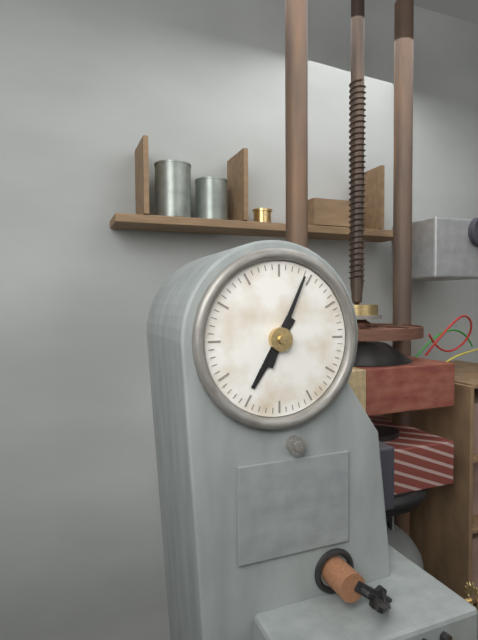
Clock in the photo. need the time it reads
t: 7:04
